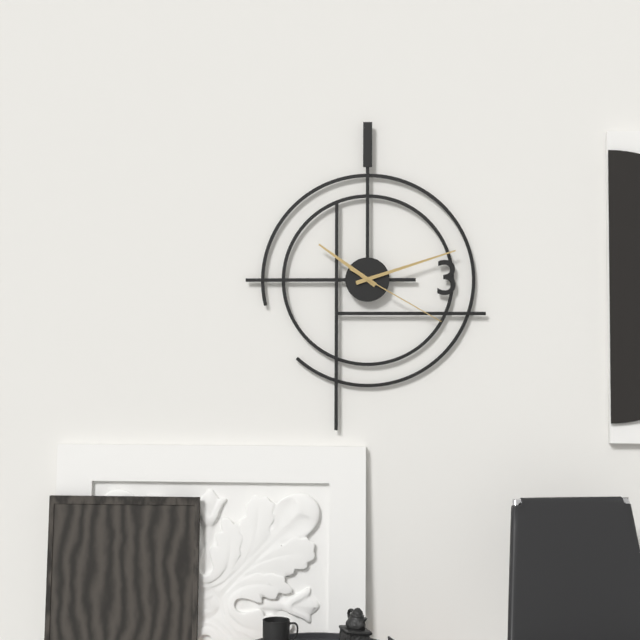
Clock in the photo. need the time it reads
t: 10:12:20
